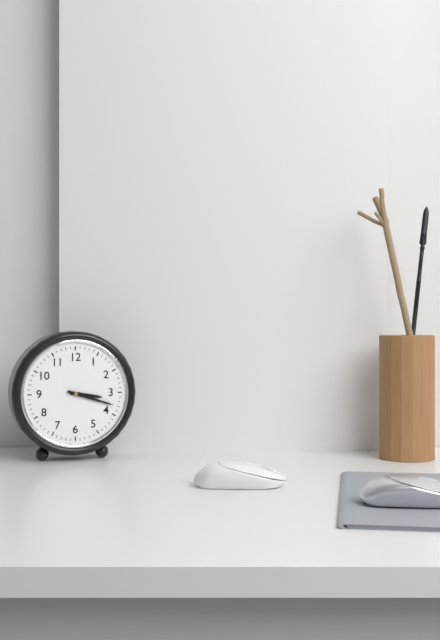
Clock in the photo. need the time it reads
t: 3:18
